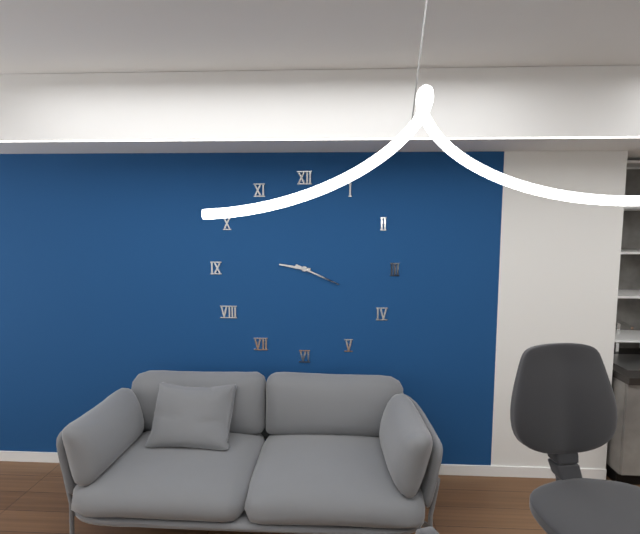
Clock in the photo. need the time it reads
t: 9:19
